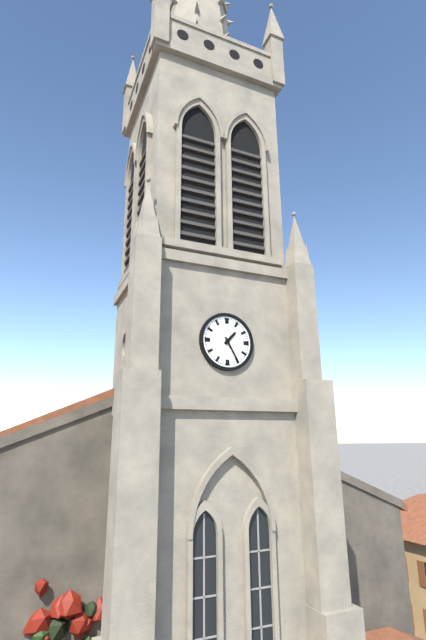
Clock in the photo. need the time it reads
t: 1:25
